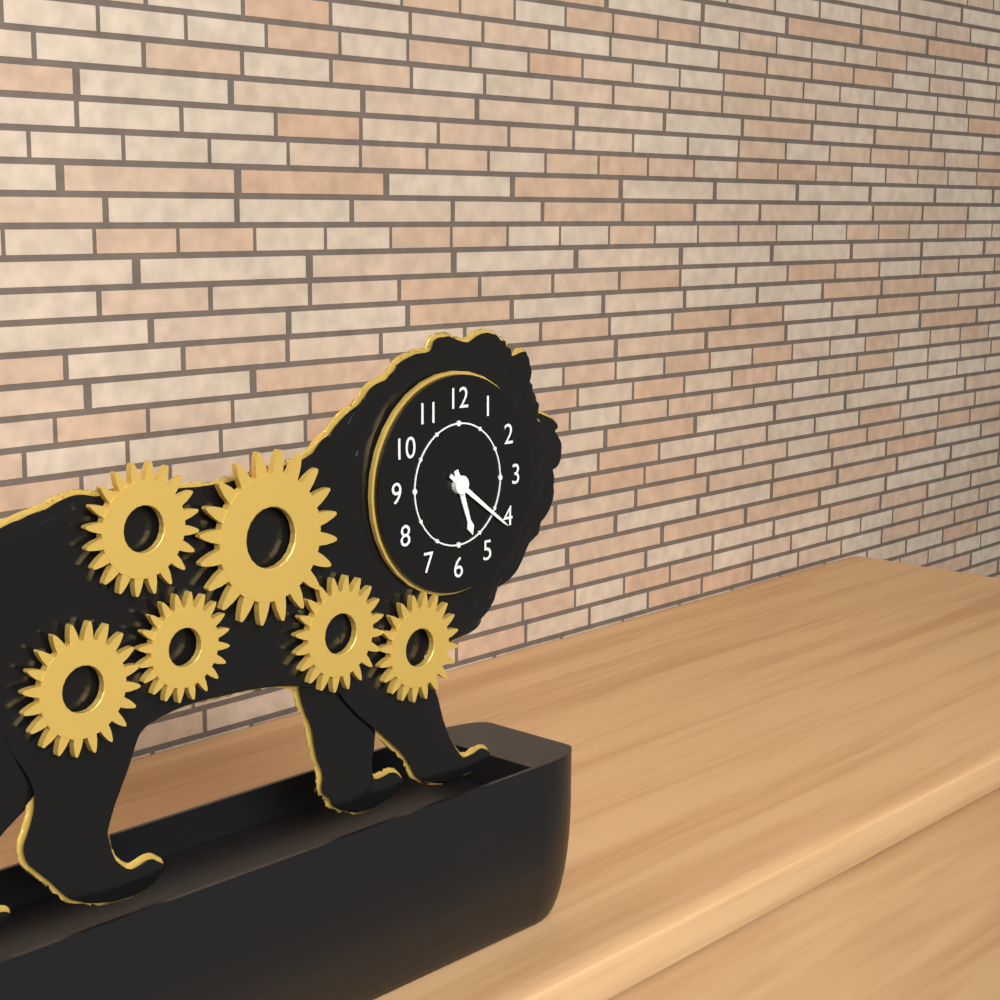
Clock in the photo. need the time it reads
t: 5:21
